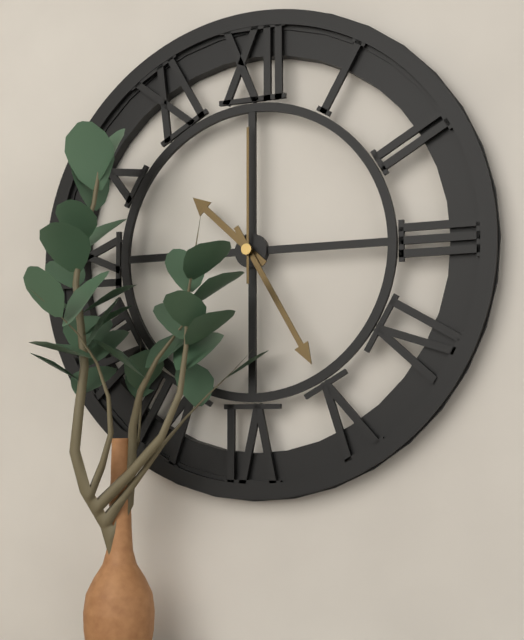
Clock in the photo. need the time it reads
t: 10:25:00
